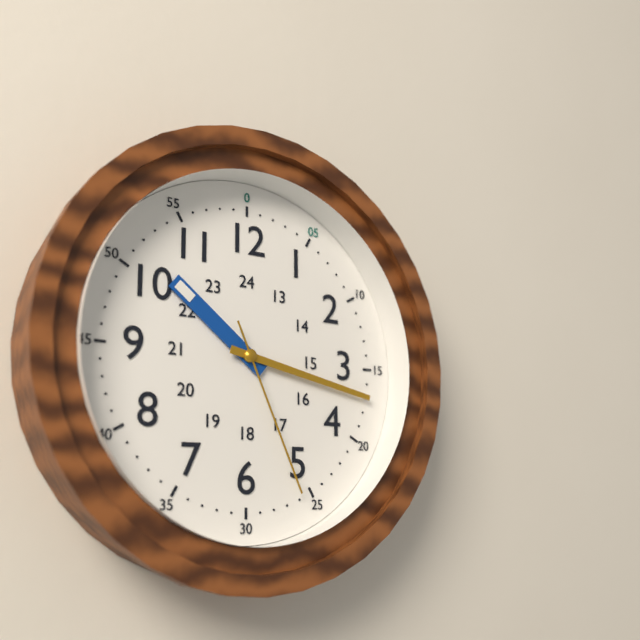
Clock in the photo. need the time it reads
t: 10:17:26
